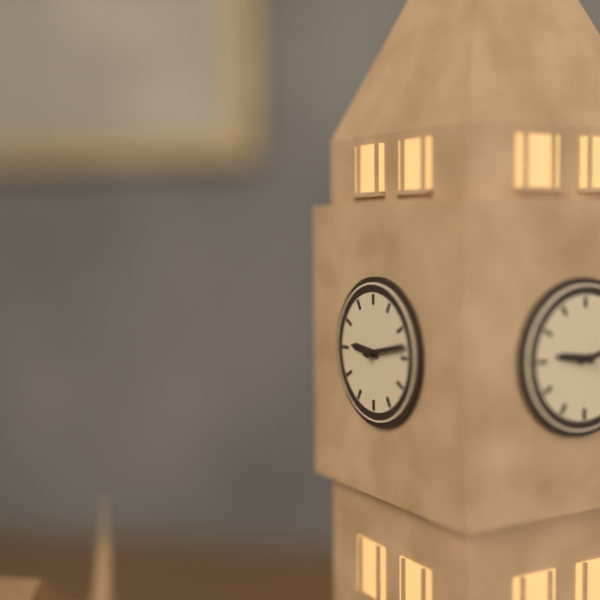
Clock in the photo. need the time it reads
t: 9:13
